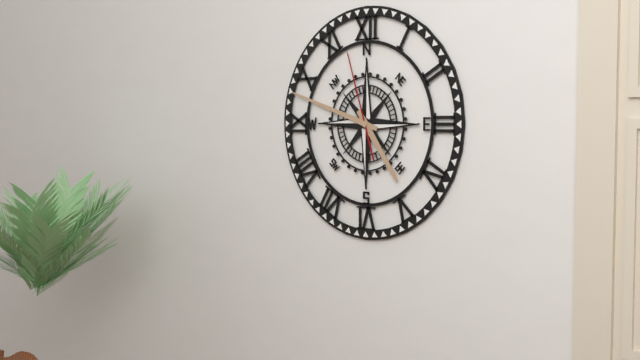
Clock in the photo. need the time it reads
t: 4:48:57
